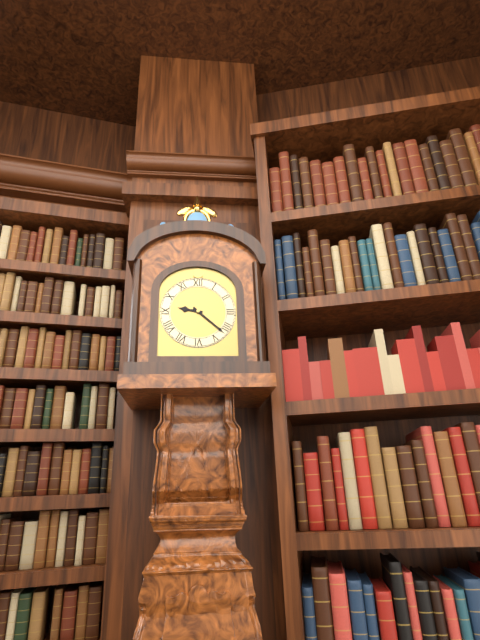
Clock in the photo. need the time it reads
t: 9:22
